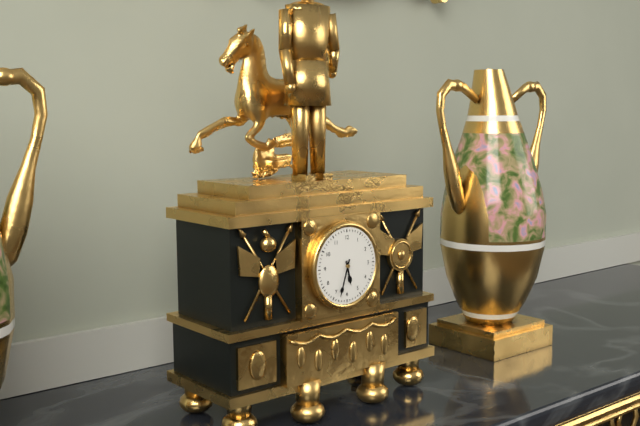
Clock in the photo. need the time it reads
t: 5:33
